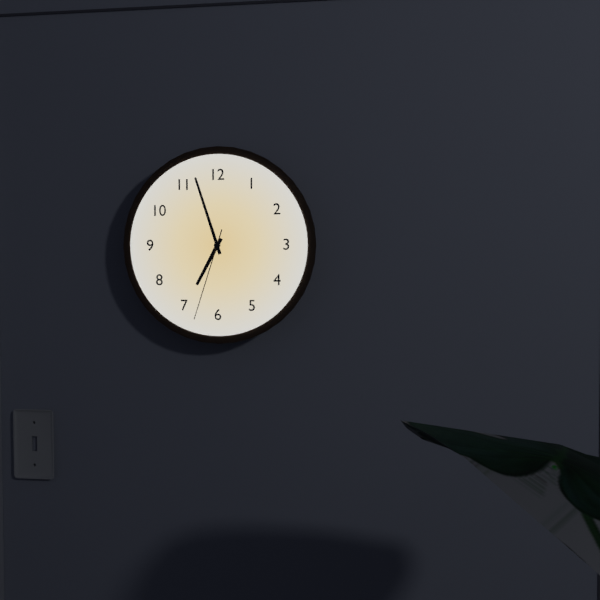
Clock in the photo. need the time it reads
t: 6:57:33
